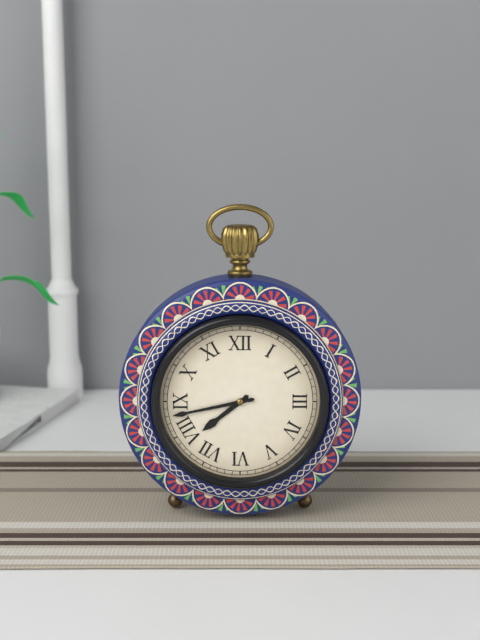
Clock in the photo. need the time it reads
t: 7:43
